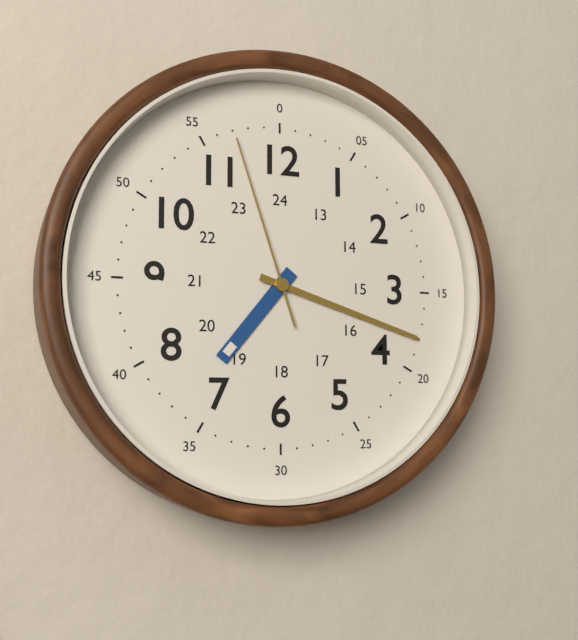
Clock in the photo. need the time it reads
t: 7:18:57
